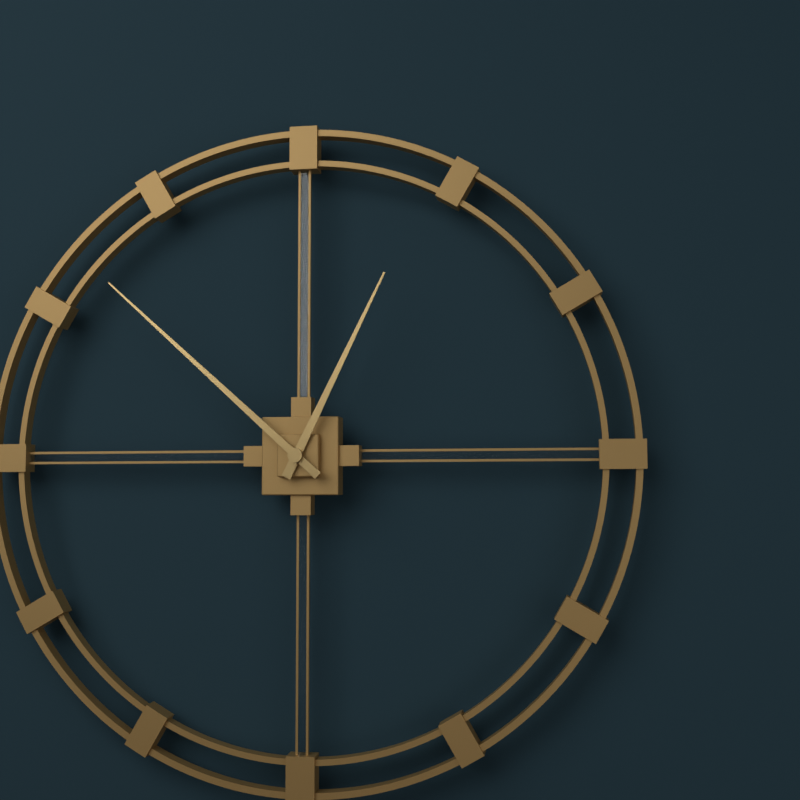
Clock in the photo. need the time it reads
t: 12:52
